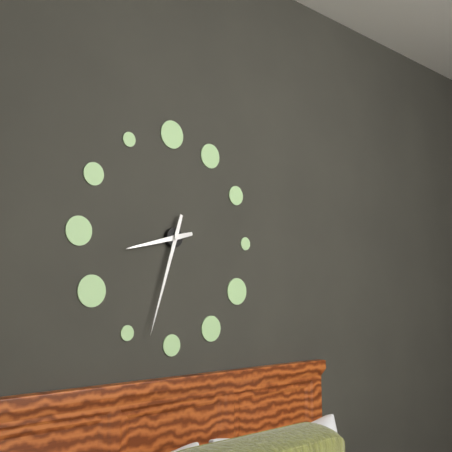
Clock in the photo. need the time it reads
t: 8:33
